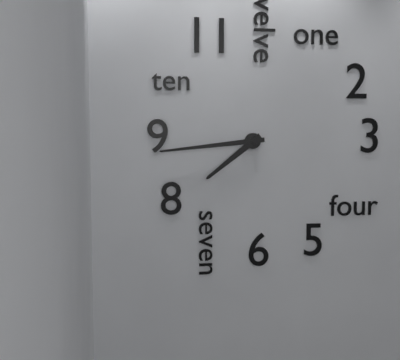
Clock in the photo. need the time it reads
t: 7:44
